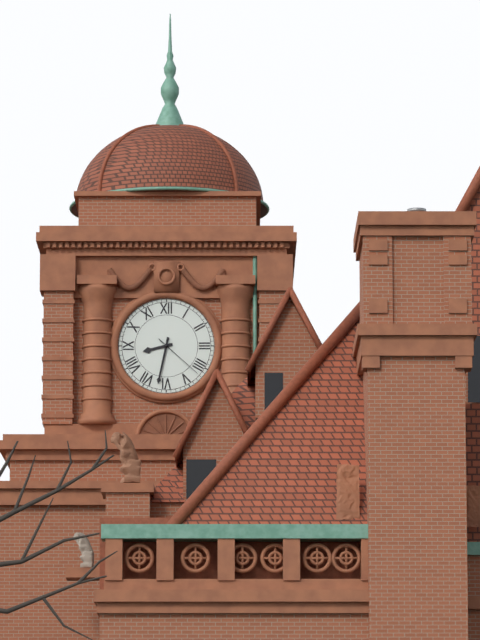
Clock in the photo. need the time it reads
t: 8:32:22
